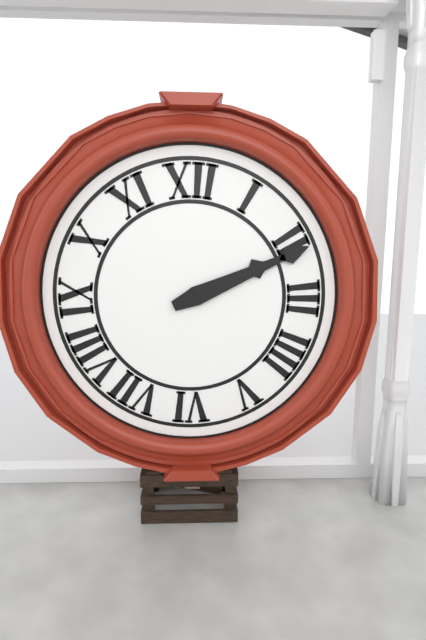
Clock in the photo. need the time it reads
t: 2:11
